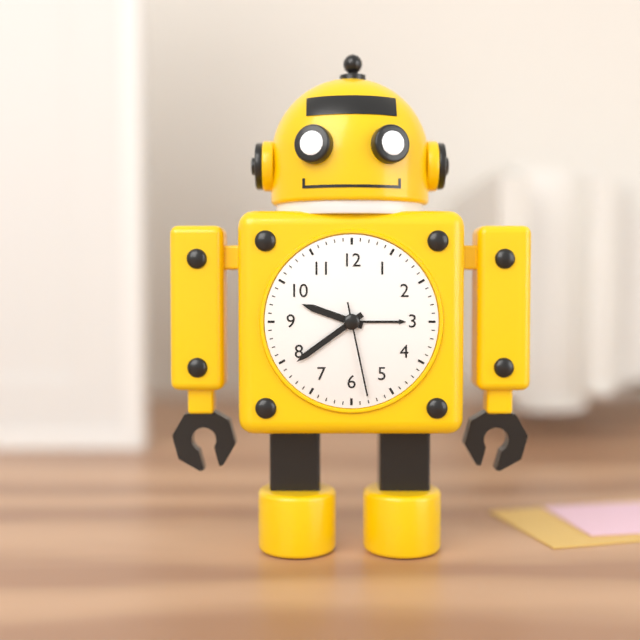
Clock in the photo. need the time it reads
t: 9:39:28
